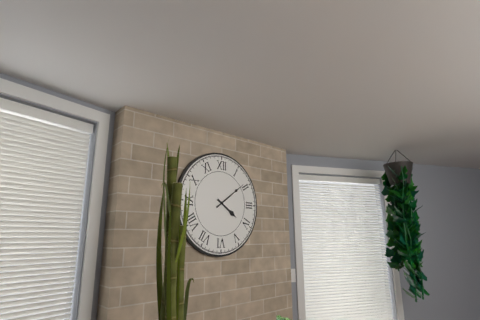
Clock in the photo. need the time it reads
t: 4:09
